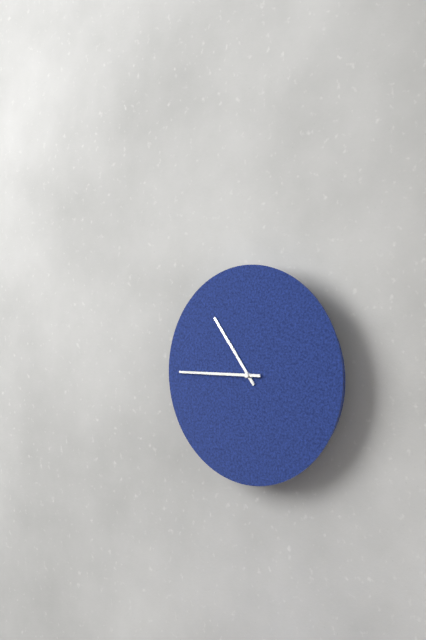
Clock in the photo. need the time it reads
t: 10:45
